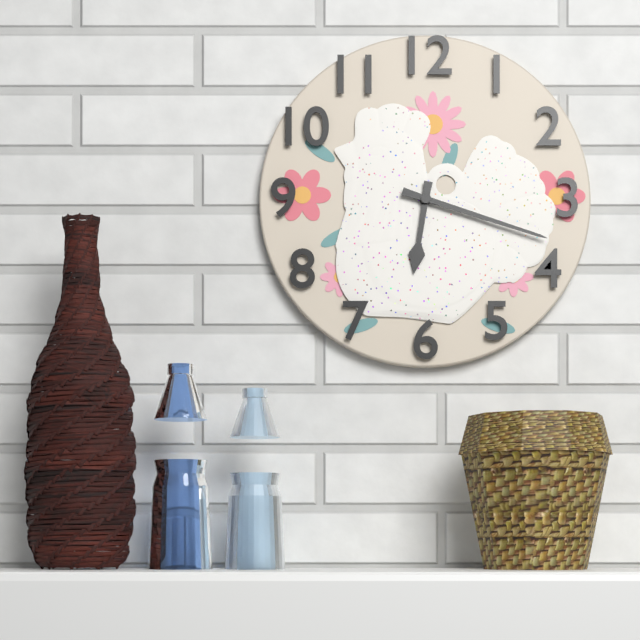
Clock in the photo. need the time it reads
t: 6:18
